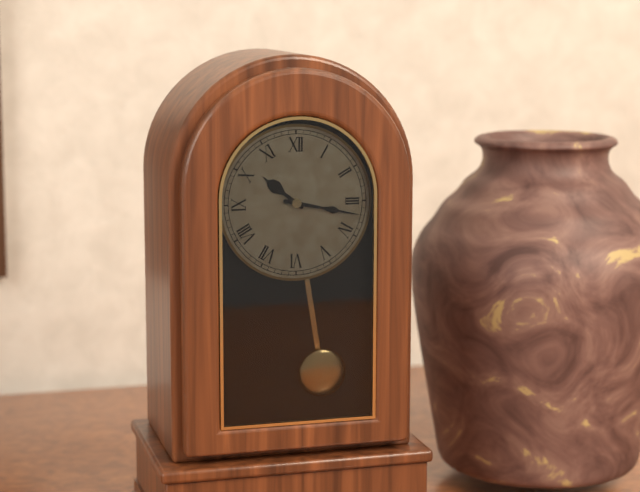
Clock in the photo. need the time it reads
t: 10:17
